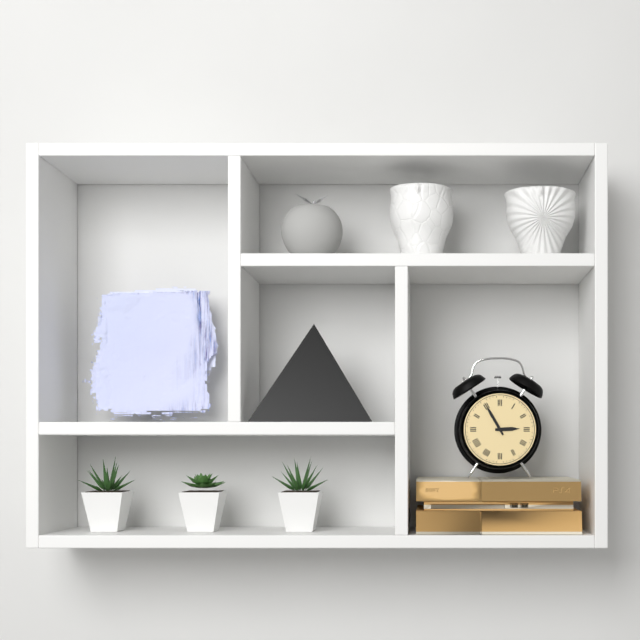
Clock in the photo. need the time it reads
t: 2:55
